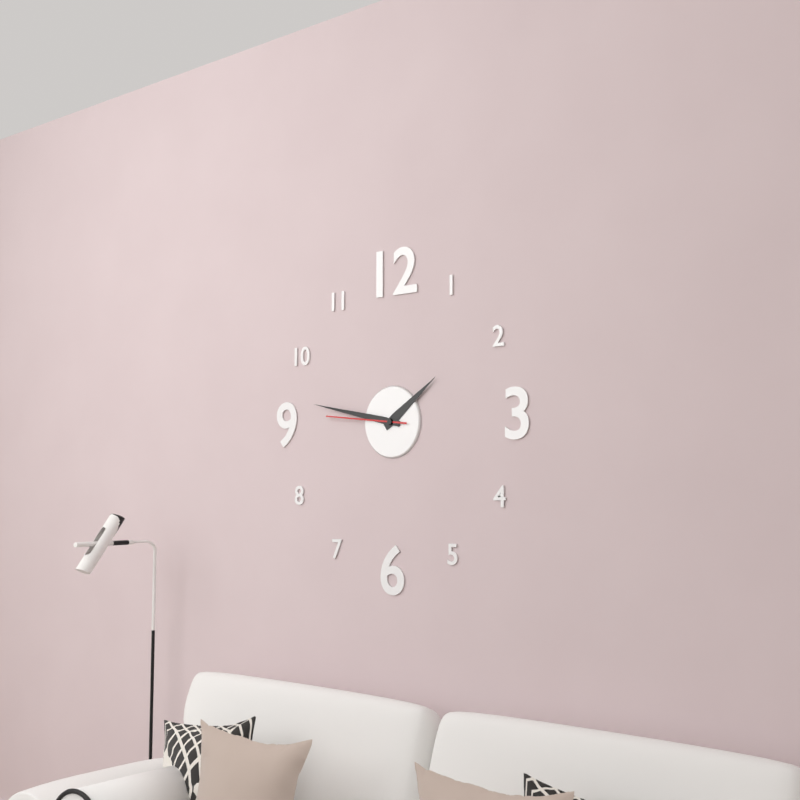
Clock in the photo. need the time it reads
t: 1:47:46
